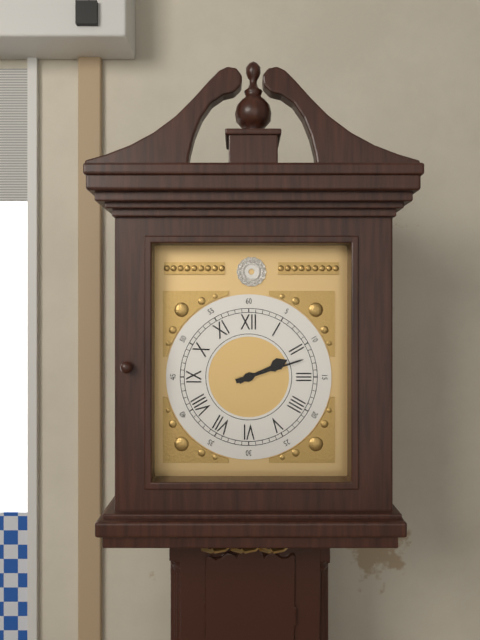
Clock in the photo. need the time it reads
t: 2:12
